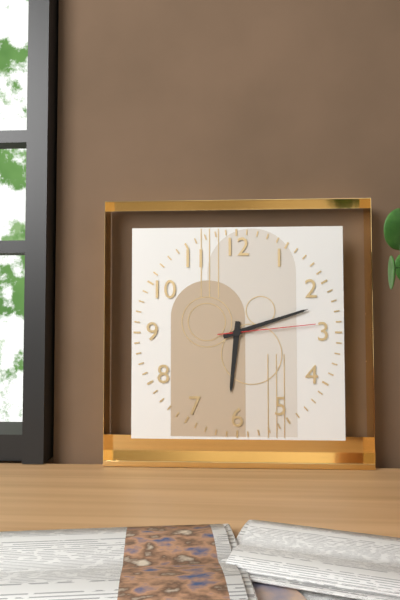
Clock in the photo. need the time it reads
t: 6:12:14
